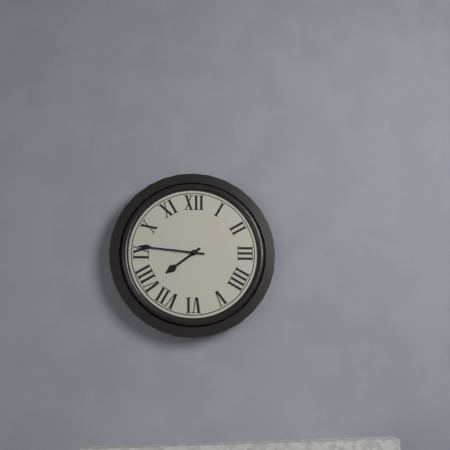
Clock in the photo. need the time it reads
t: 7:46
